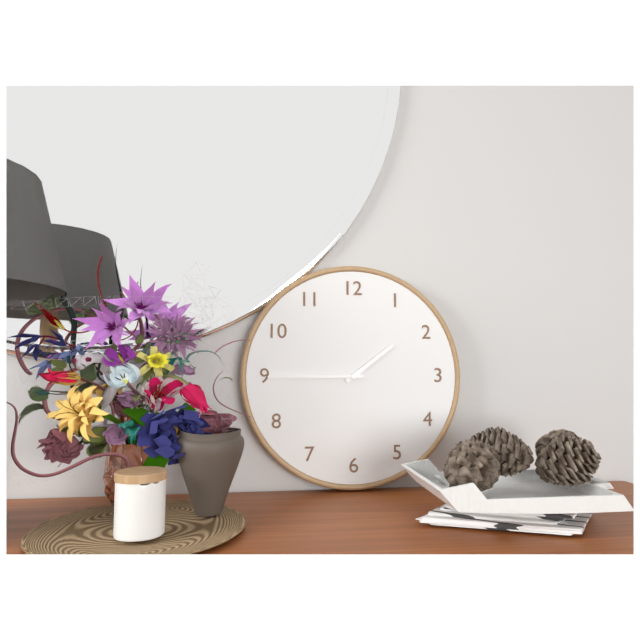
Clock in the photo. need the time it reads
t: 1:45
